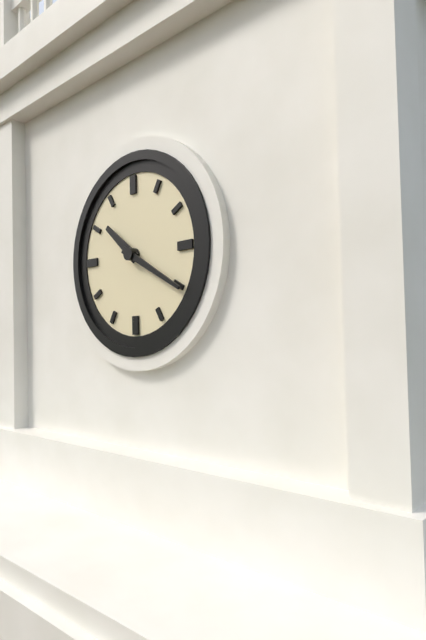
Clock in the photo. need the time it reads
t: 10:20
